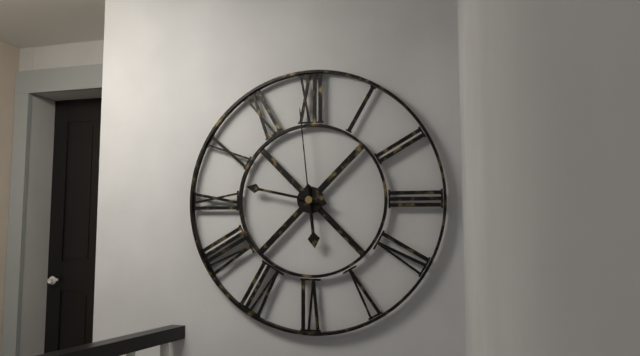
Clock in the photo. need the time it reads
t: 5:47:59
